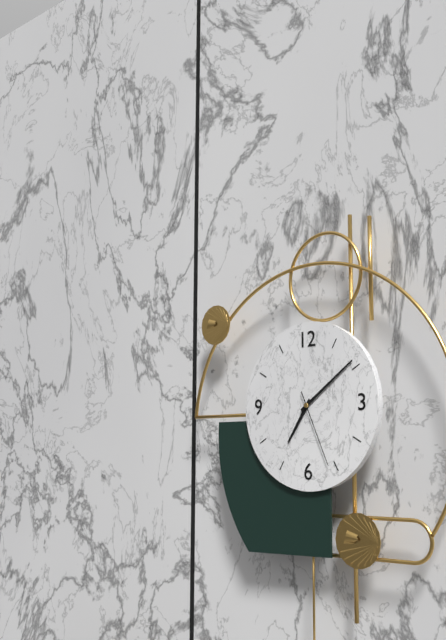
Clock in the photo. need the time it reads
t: 7:09:26
